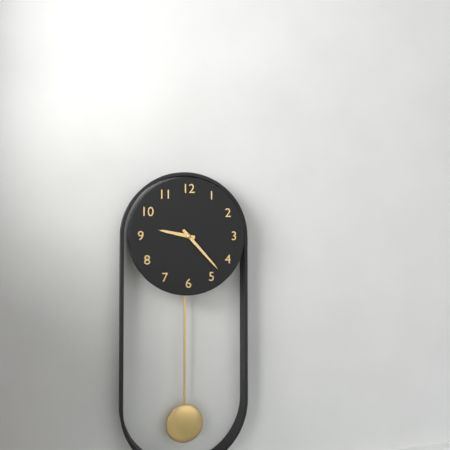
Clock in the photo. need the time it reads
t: 9:23
